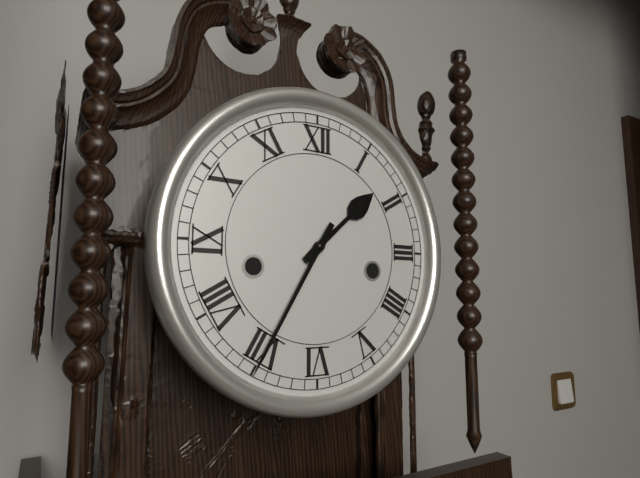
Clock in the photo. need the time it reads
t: 1:35
